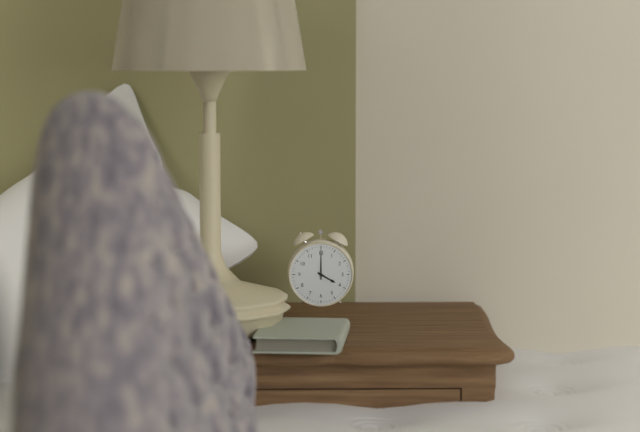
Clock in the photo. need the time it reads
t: 4:00
